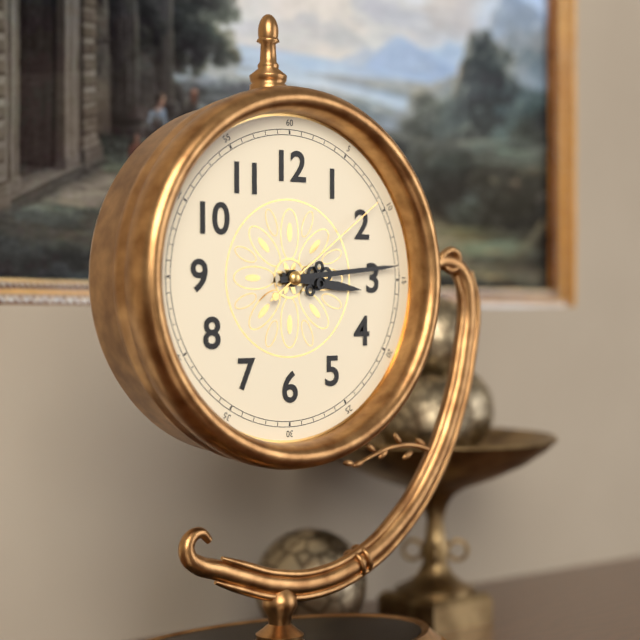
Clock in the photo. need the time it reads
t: 3:14:09
